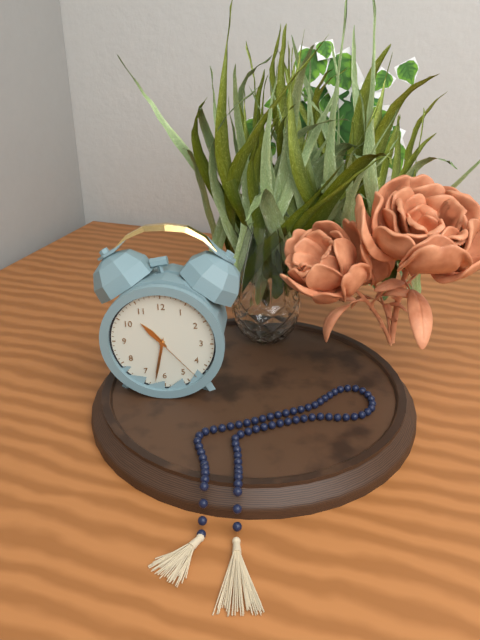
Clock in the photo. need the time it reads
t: 10:32:23
